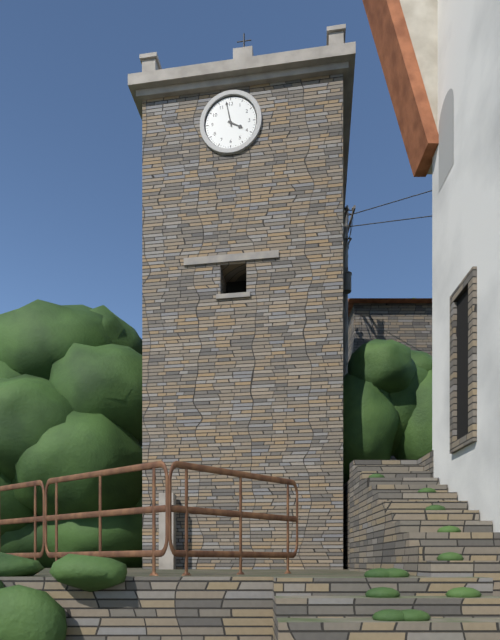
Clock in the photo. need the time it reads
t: 3:58
